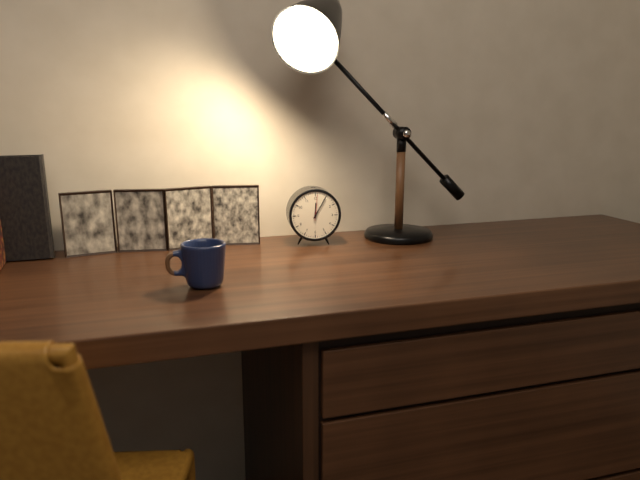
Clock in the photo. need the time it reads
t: 12:05
